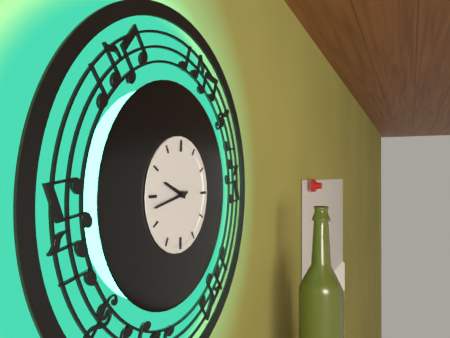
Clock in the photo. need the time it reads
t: 9:43
